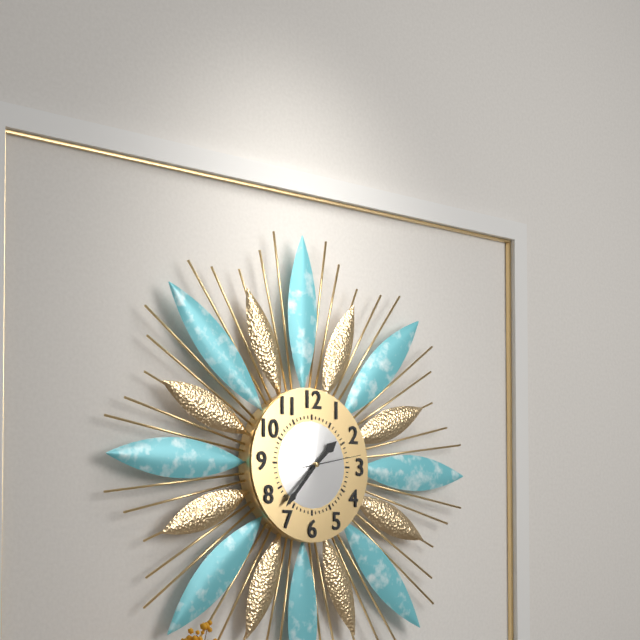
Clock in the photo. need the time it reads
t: 1:37:13
